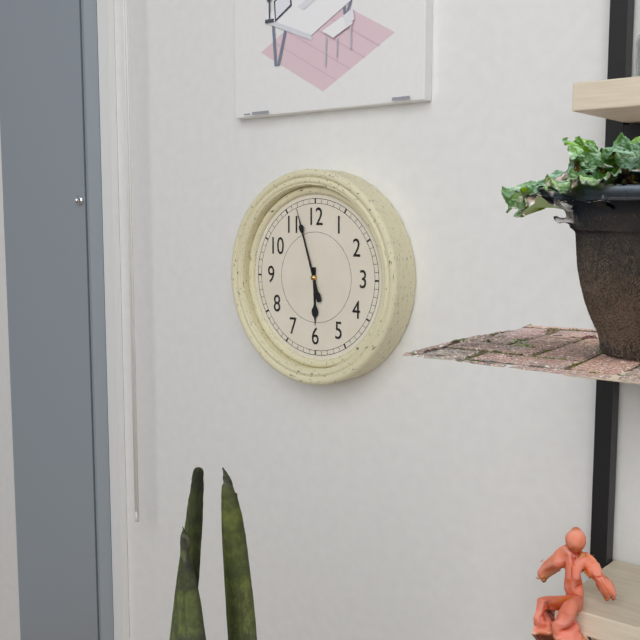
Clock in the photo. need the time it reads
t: 5:57
